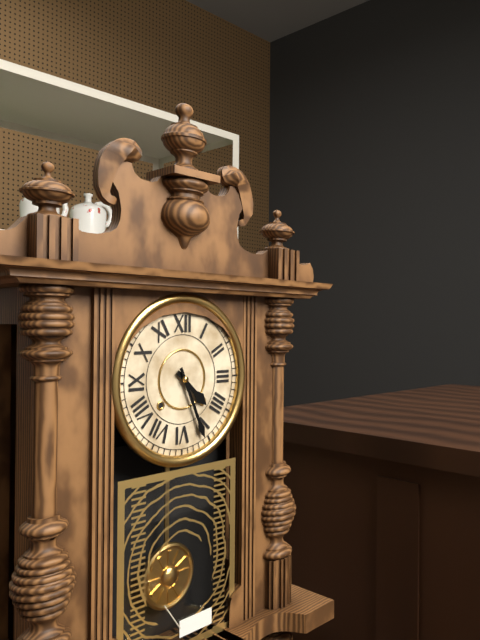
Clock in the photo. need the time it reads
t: 4:26
